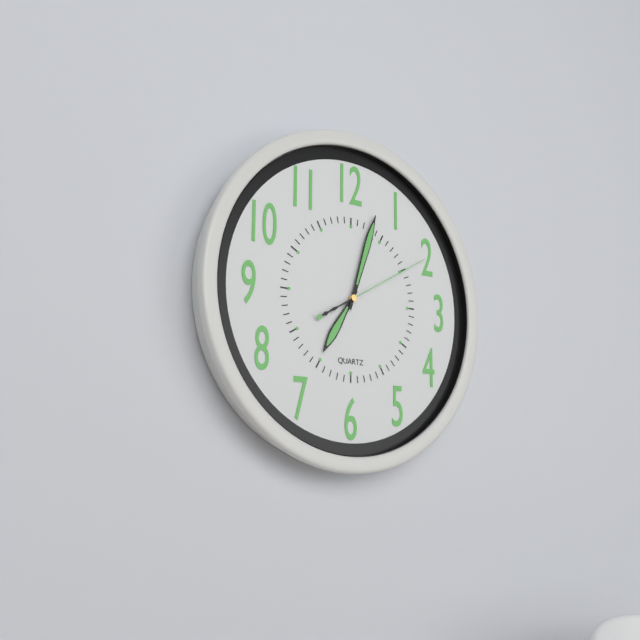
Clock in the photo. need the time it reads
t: 7:03:10
